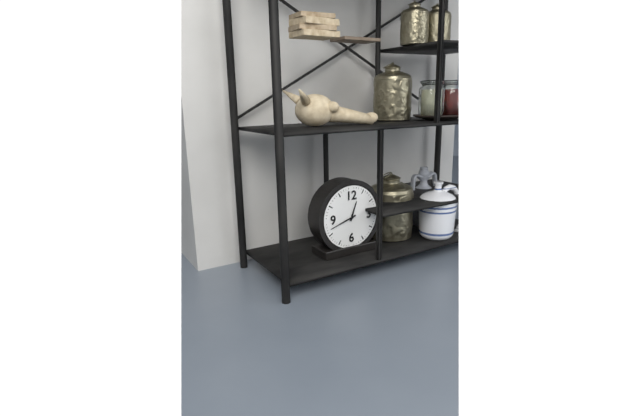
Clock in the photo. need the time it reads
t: 12:42
